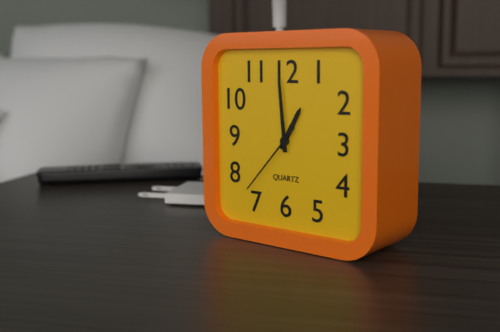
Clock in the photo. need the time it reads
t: 12:59:37
